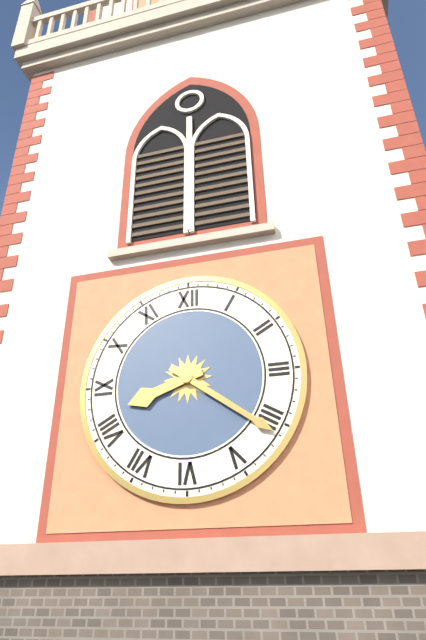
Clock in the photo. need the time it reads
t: 8:21
